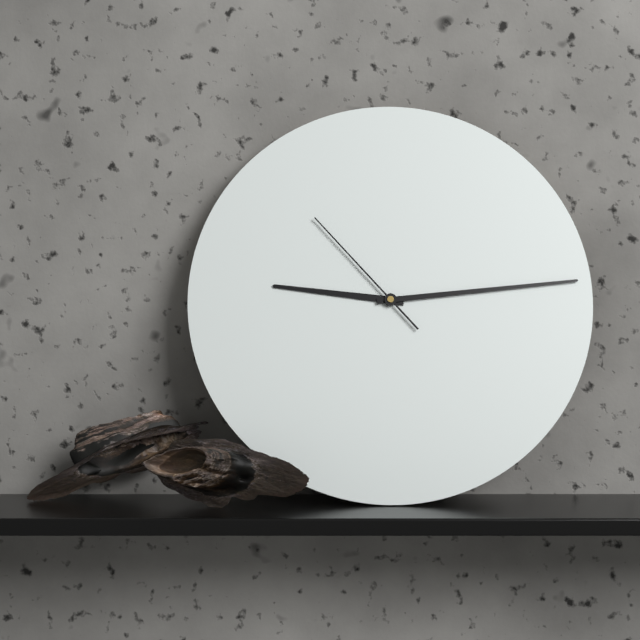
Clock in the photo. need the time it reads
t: 9:14:53
